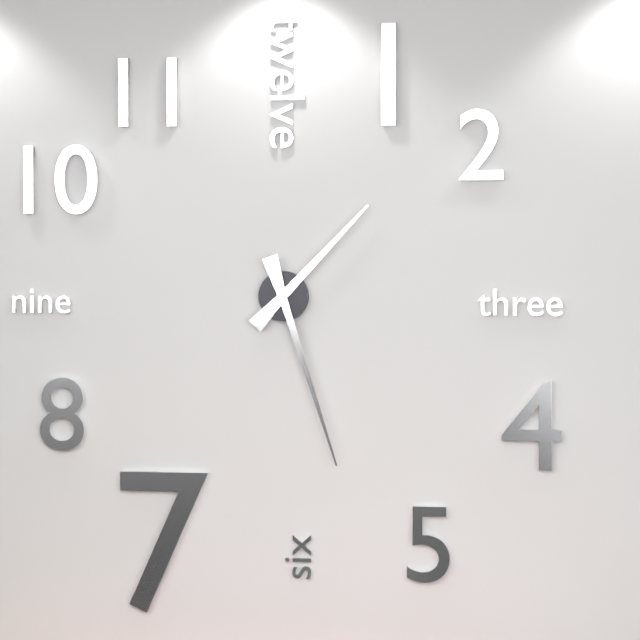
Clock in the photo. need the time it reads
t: 1:27
